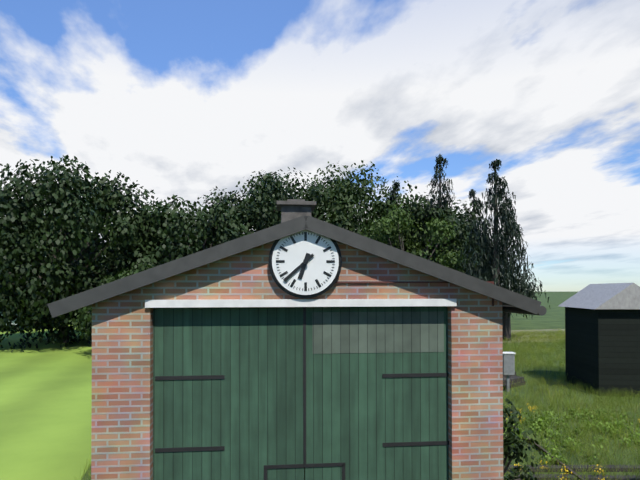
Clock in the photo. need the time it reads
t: 6:38
